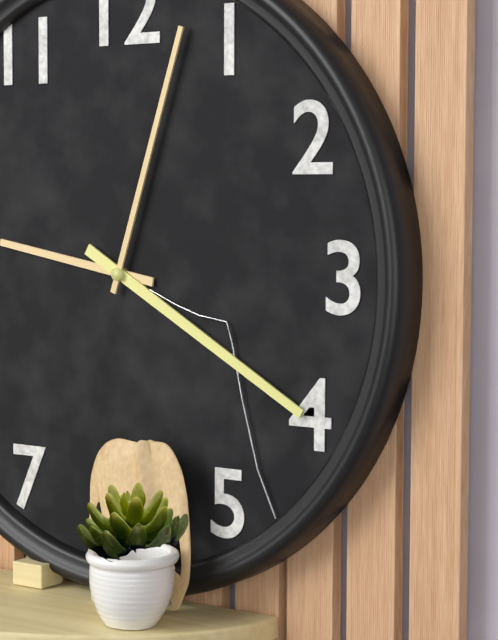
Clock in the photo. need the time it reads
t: 9:20:03
